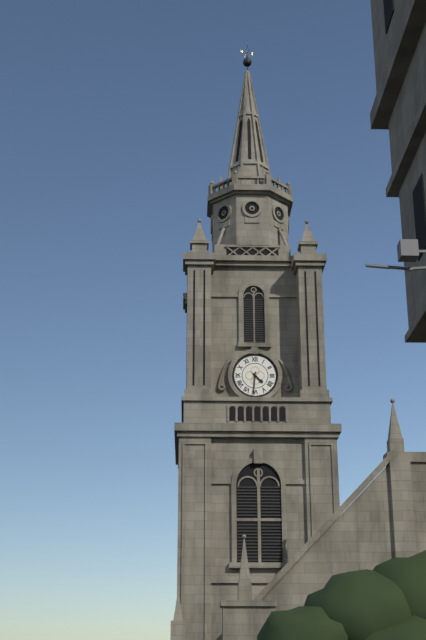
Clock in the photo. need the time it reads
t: 4:31
